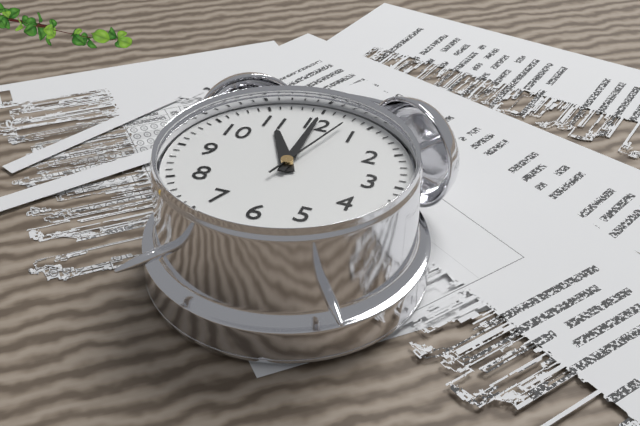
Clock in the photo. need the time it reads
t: 11:00:03
